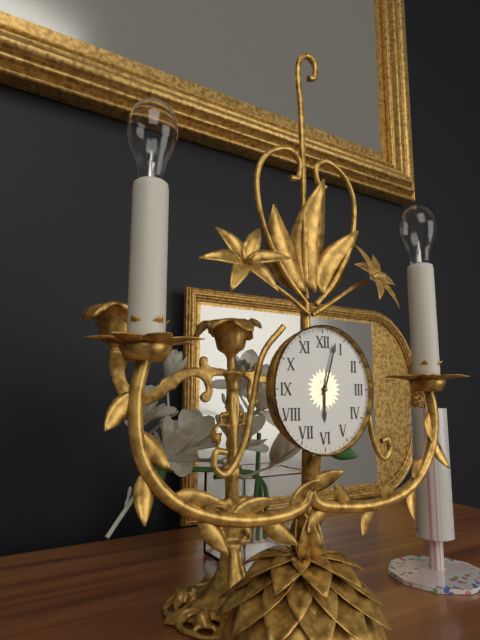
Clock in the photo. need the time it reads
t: 6:03
